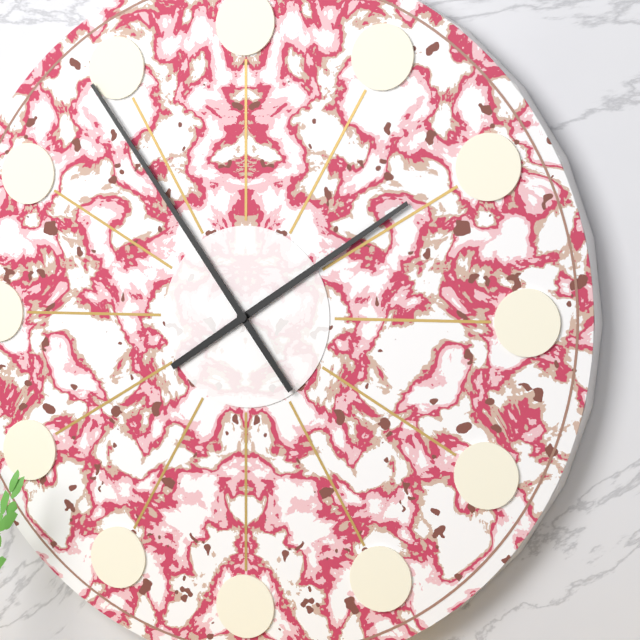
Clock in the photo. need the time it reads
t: 1:54
